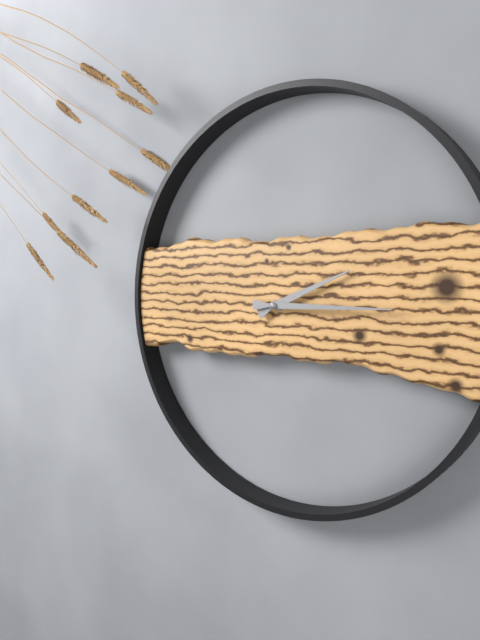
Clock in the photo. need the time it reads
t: 2:15
